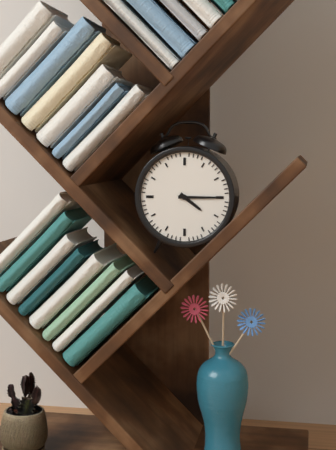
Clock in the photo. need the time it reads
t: 4:15
